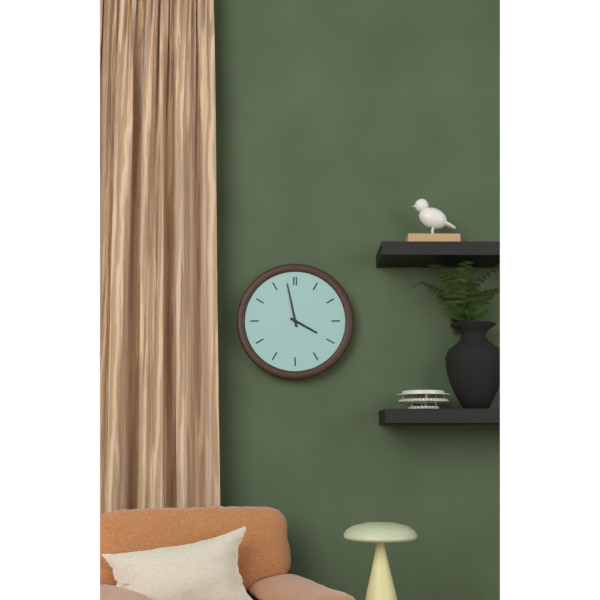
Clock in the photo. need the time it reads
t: 3:58
